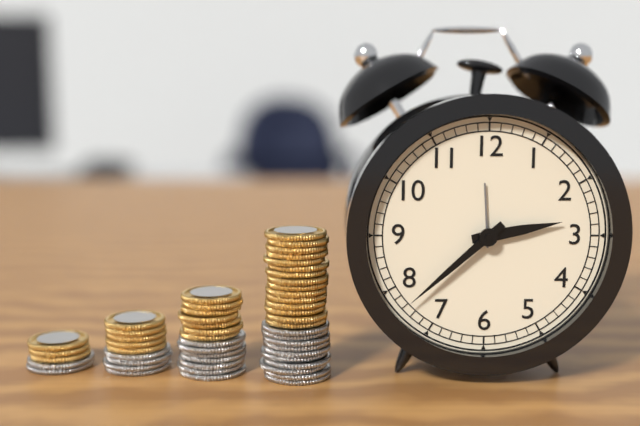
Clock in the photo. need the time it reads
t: 2:38
